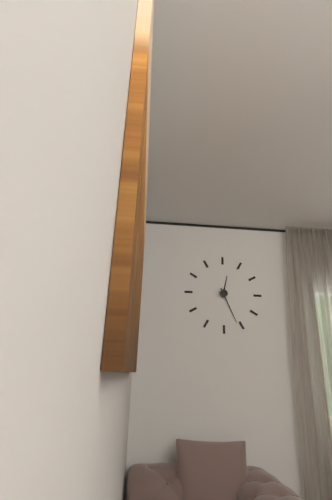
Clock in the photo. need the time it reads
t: 12:26
